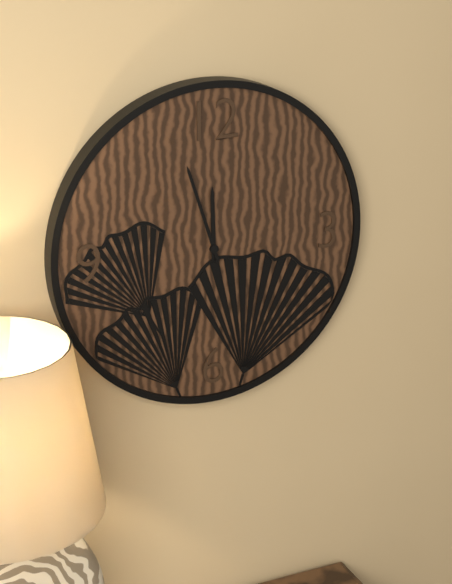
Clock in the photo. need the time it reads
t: 11:57
